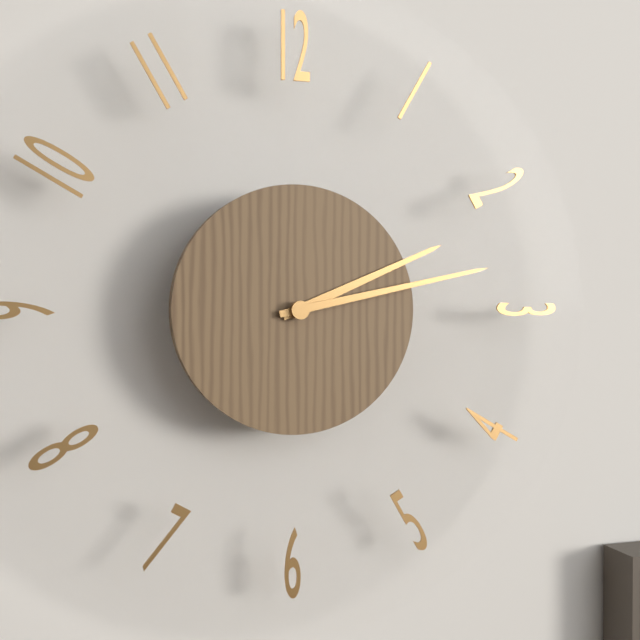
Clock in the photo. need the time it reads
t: 2:13
